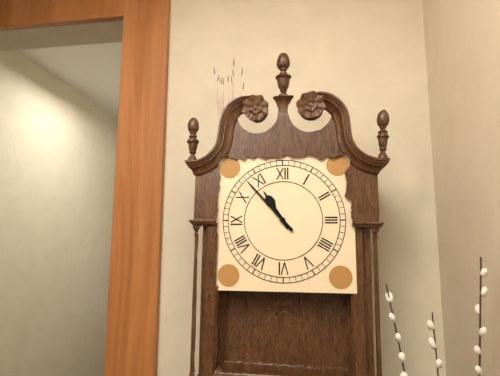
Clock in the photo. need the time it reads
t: 10:53
